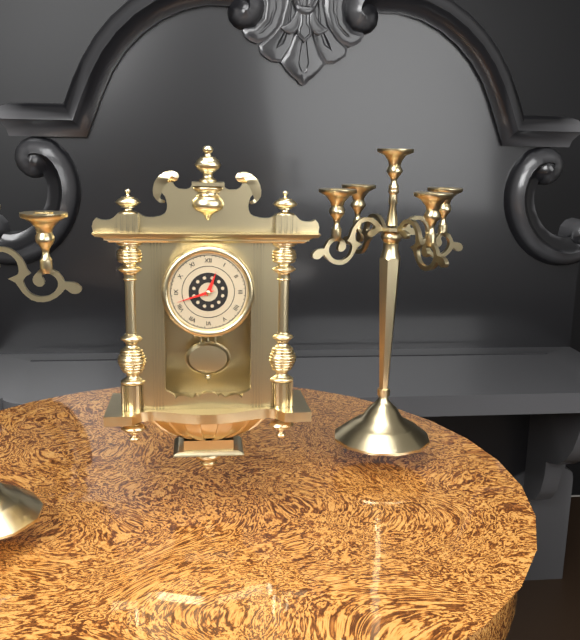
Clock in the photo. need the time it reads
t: 12:42
